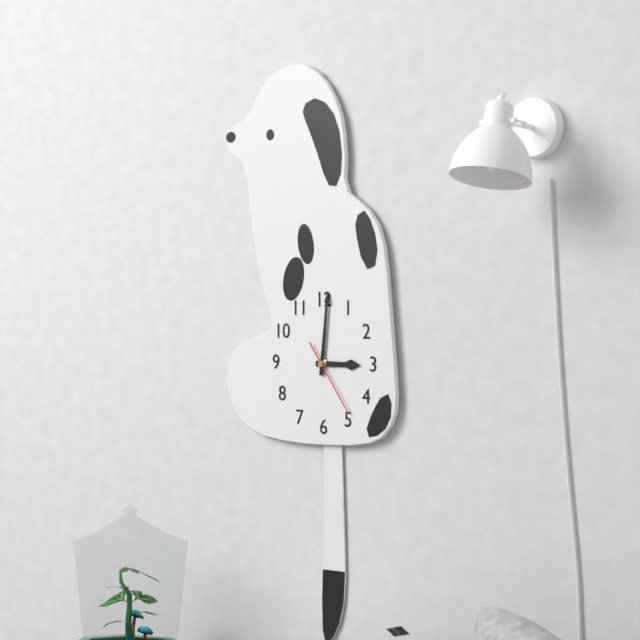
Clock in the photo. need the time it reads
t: 3:01:24
